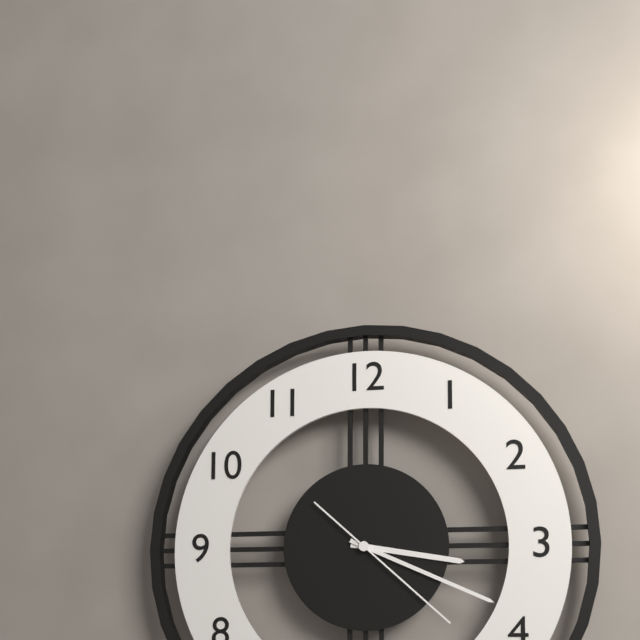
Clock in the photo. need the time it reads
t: 3:19:22
